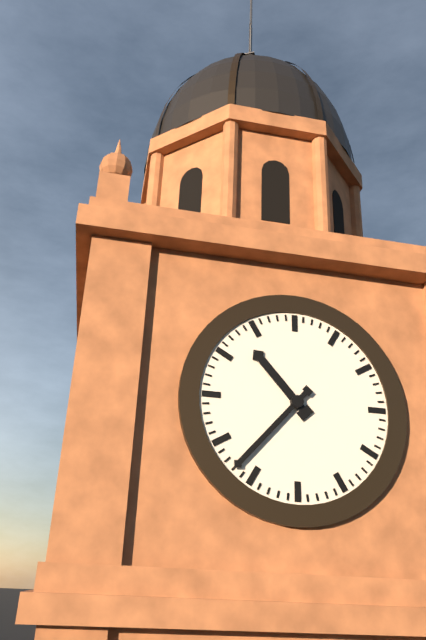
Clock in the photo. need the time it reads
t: 10:37
